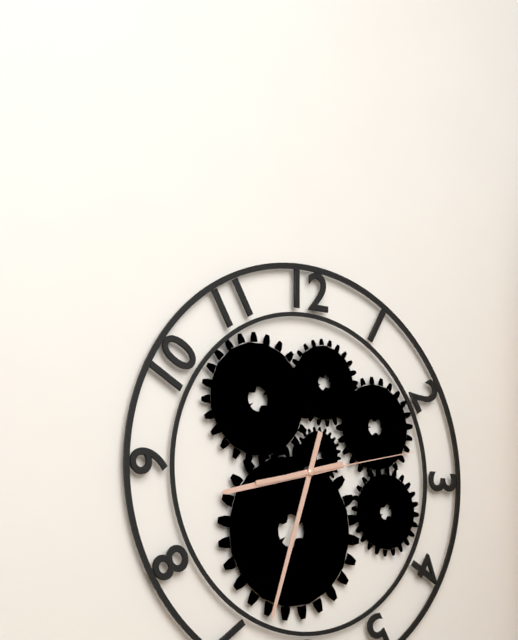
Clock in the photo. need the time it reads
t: 8:33:13
